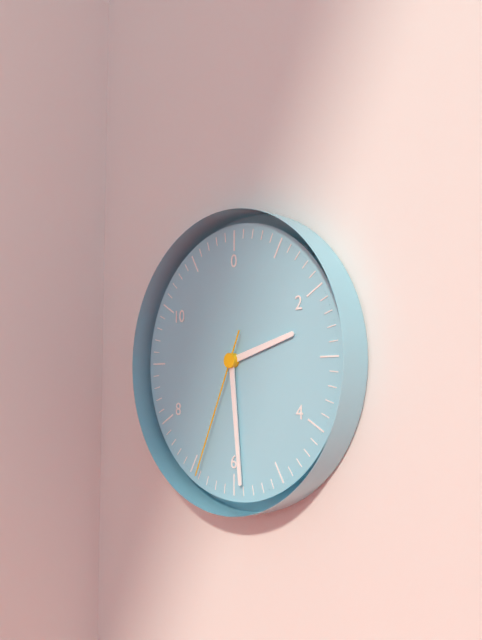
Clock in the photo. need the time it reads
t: 2:29:34
